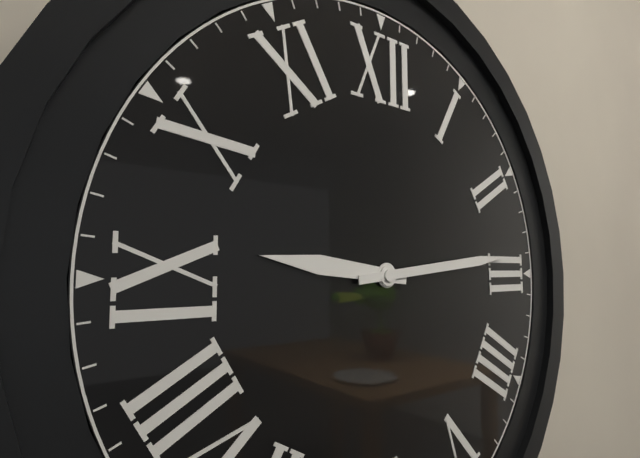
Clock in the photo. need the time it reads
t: 9:14
